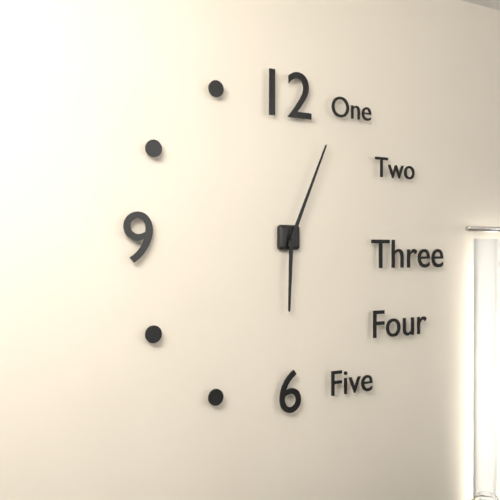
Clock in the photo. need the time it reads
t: 6:04
